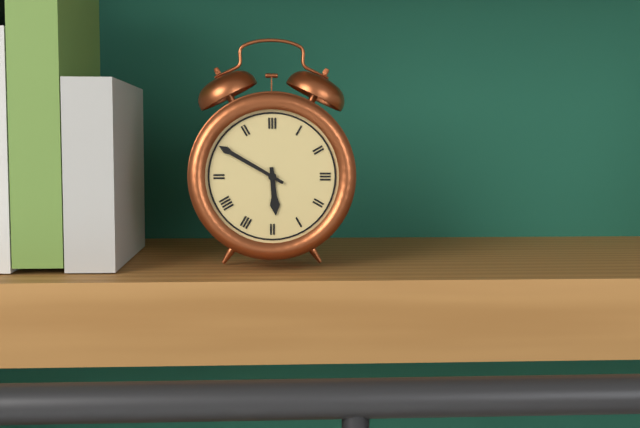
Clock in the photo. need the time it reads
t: 5:50
